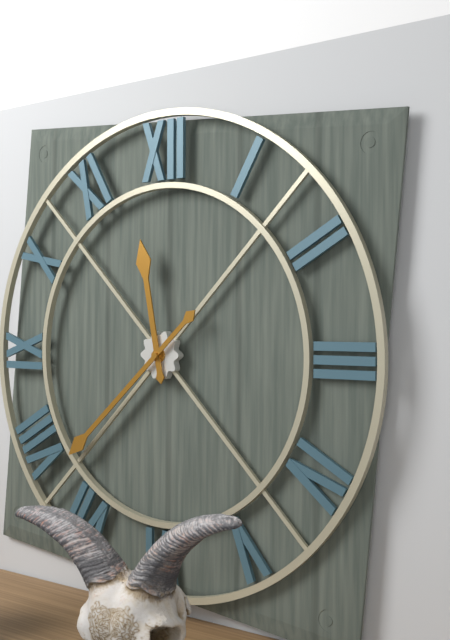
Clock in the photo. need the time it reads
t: 11:38
